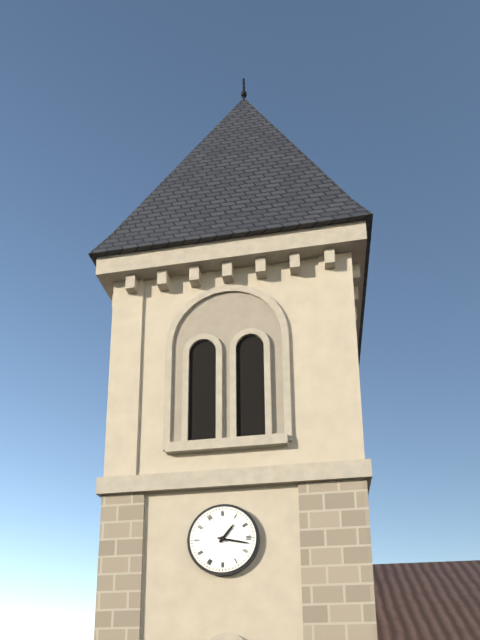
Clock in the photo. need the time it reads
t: 1:17
